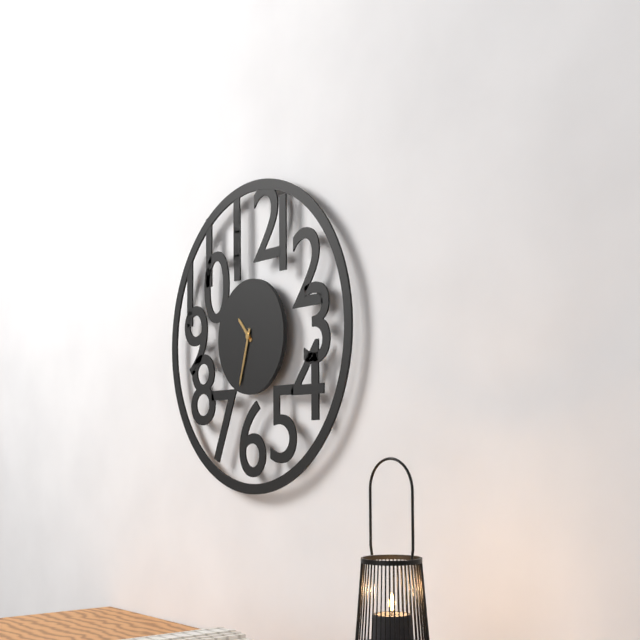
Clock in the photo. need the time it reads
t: 10:33
